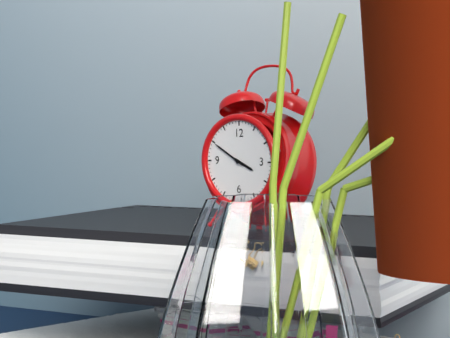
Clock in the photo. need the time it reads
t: 3:50
